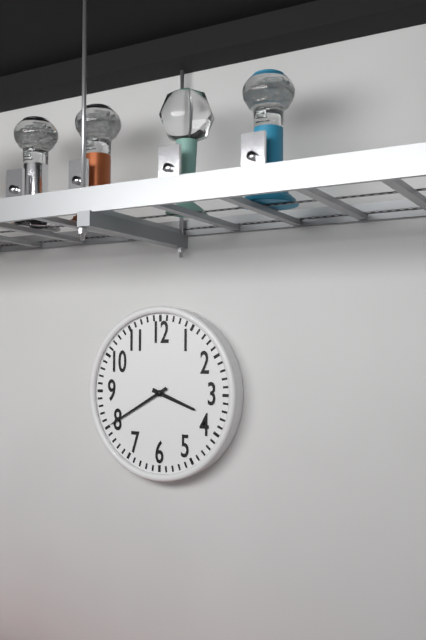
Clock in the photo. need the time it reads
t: 3:40
